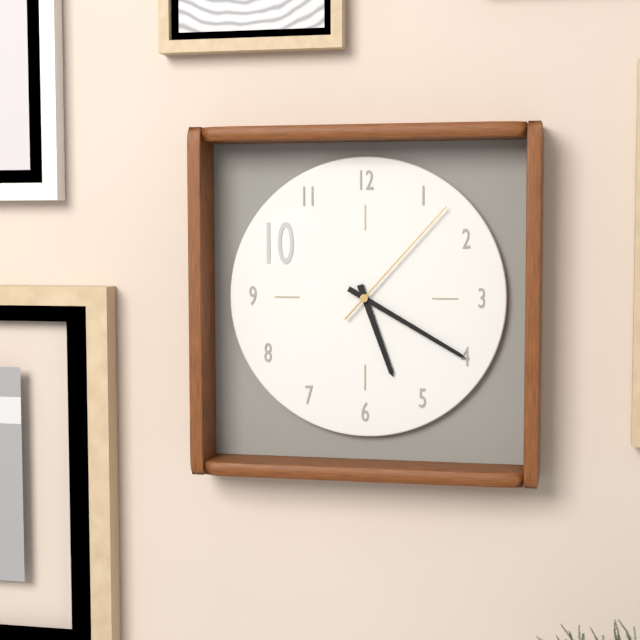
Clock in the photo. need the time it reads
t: 5:20:07
